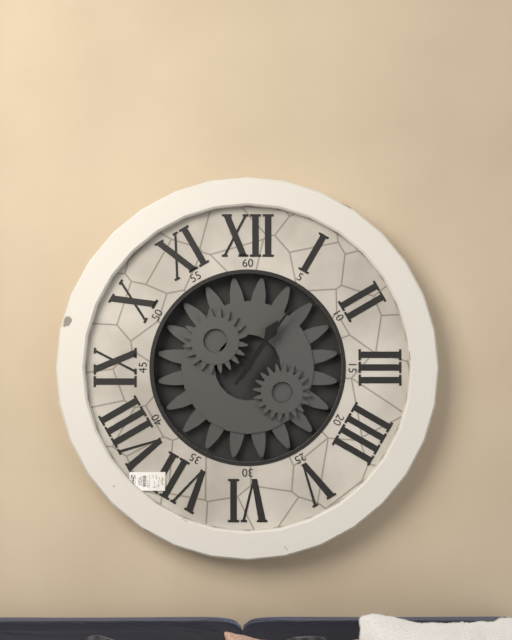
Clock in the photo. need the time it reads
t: 1:06
